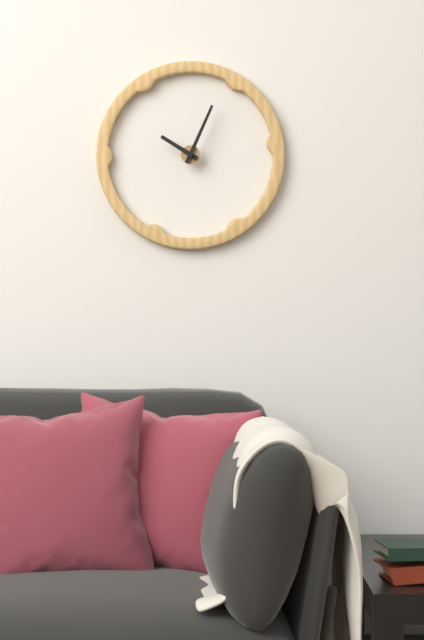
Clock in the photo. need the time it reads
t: 10:04
